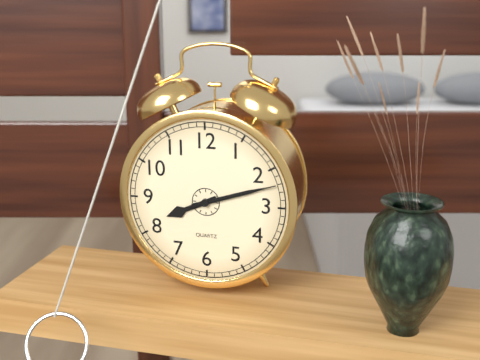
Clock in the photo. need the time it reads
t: 8:12:12
